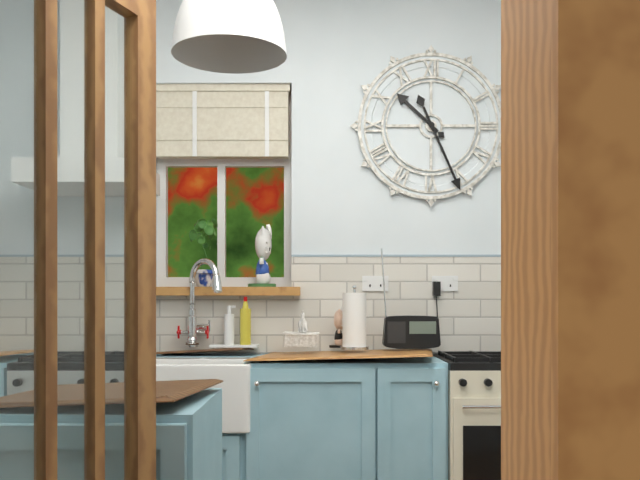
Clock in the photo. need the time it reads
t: 10:26
